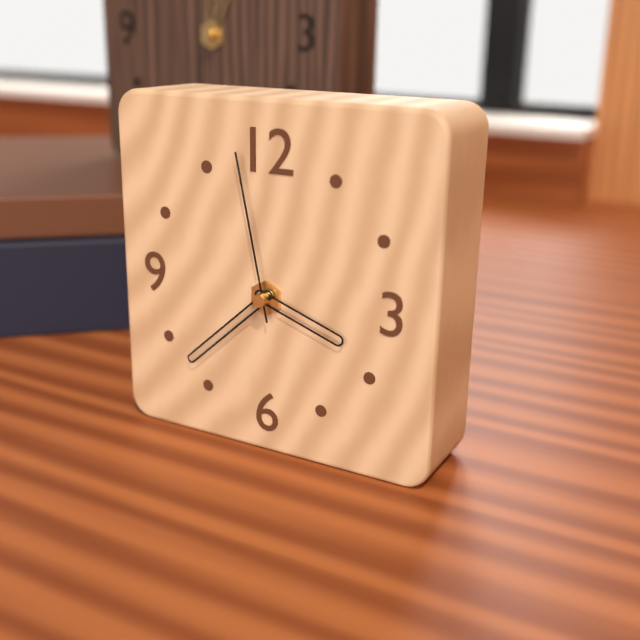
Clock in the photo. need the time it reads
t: 3:38:58
